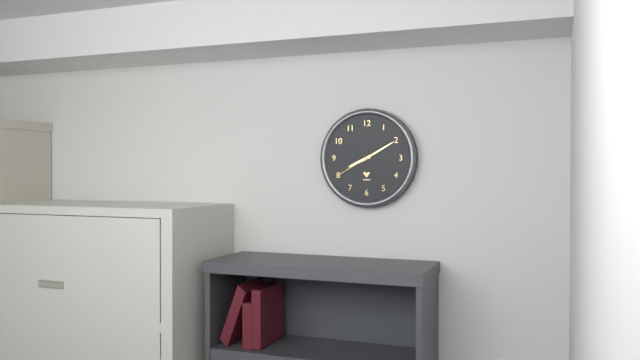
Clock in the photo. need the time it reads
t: 8:10
